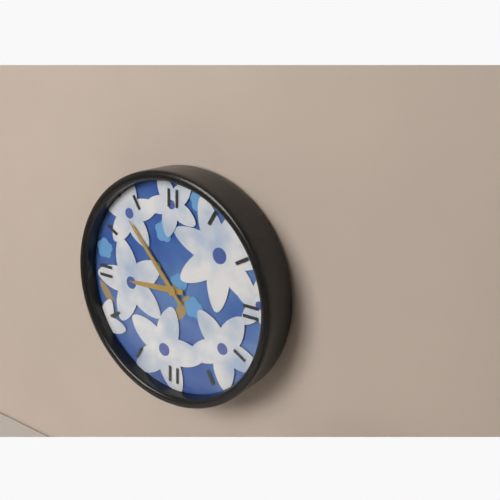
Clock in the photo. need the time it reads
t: 8:53
